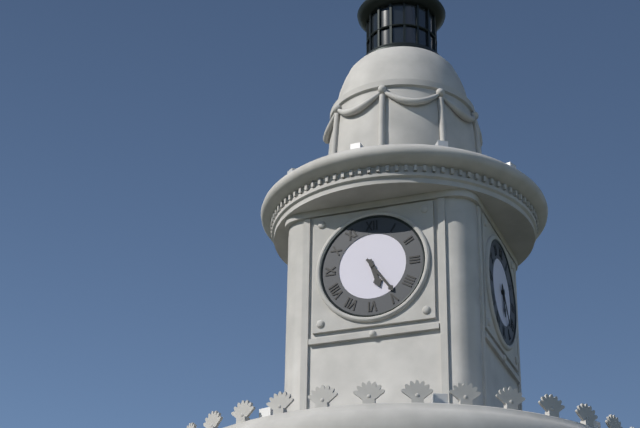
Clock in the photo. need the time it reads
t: 5:24
